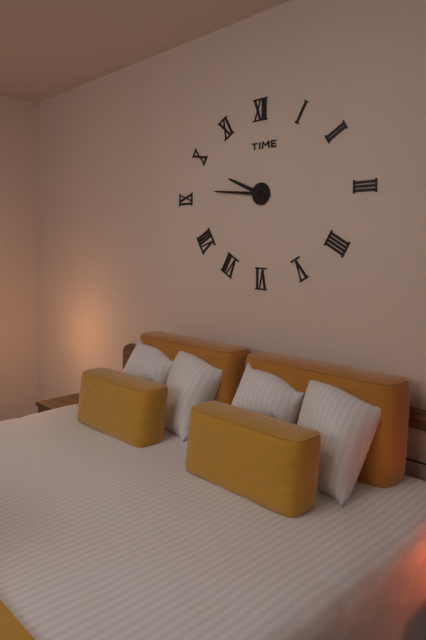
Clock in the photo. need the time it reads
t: 9:46
